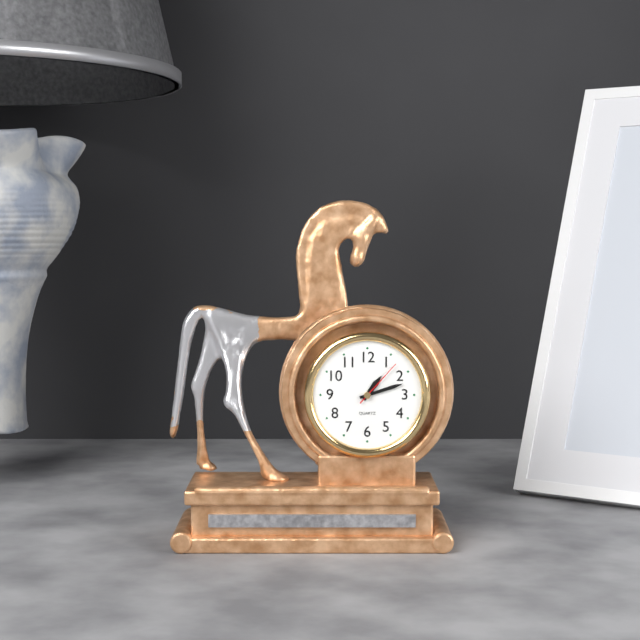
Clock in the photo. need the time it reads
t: 1:12:07
